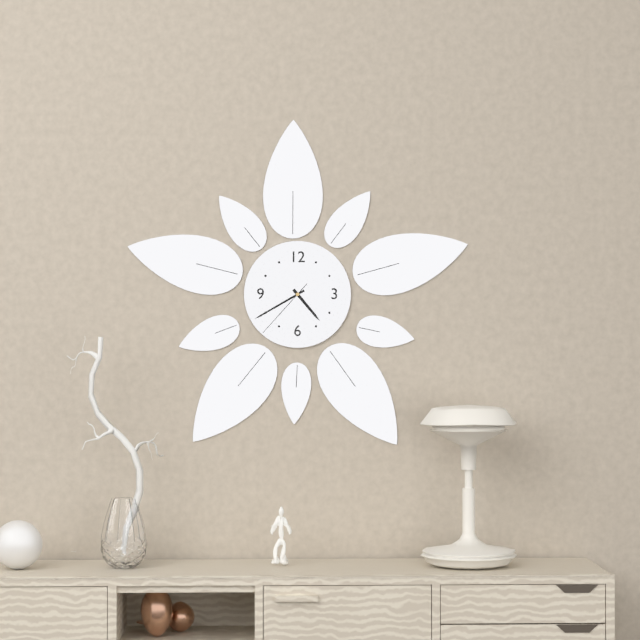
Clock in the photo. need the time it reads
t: 4:40:37
